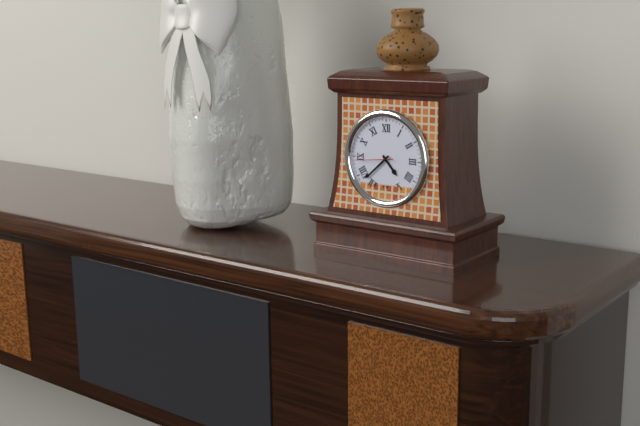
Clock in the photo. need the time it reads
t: 4:38
